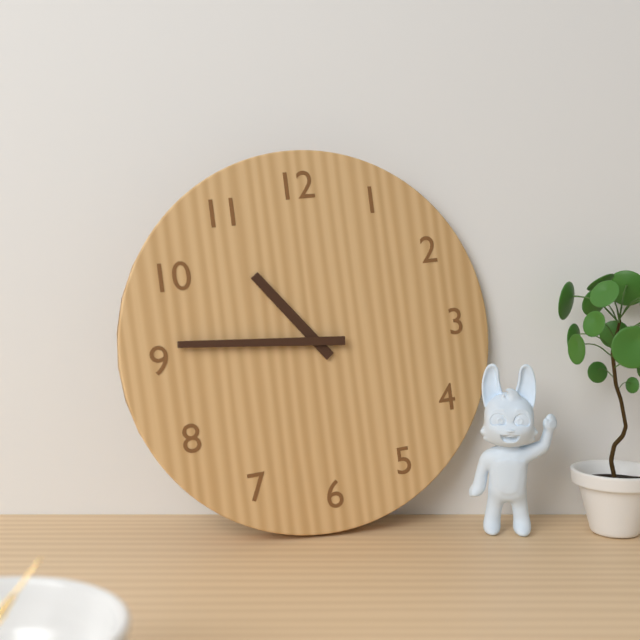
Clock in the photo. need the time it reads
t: 10:46
